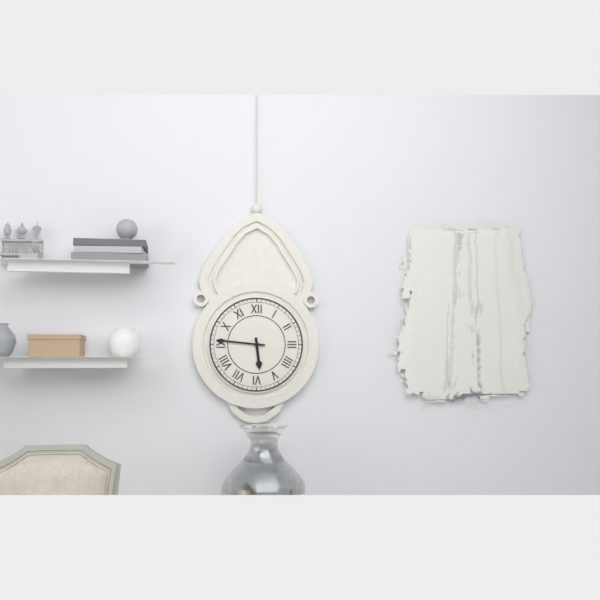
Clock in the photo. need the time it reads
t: 5:46
